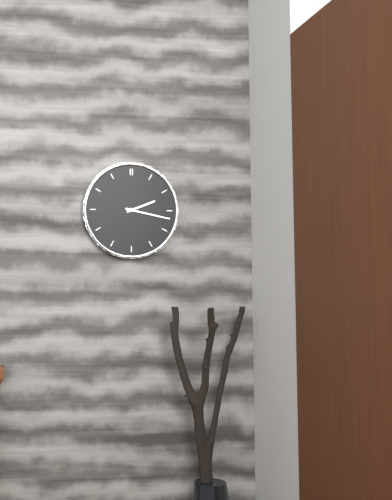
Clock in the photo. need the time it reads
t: 2:17
